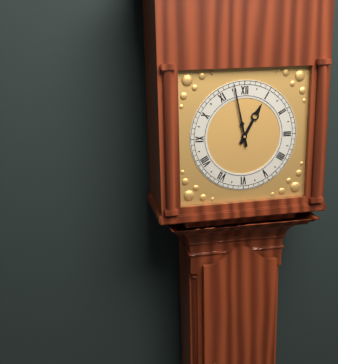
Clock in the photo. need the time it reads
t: 12:58
